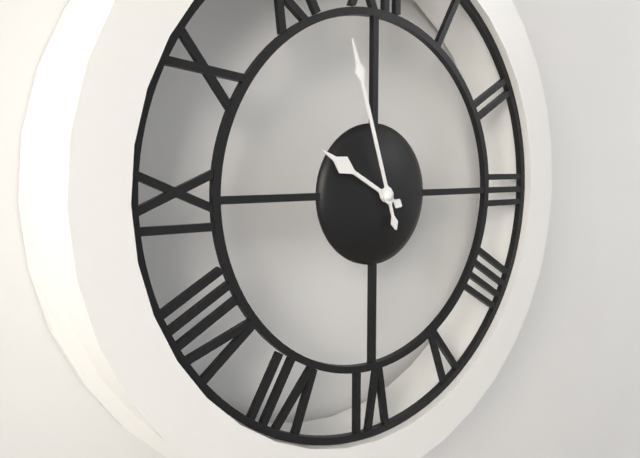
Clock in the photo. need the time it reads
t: 9:57
